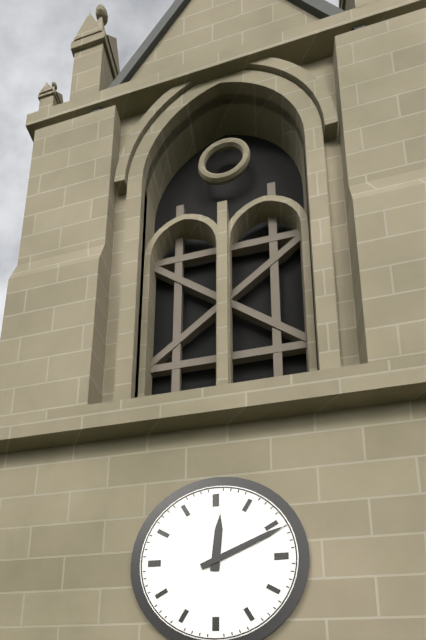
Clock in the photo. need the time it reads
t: 12:11
